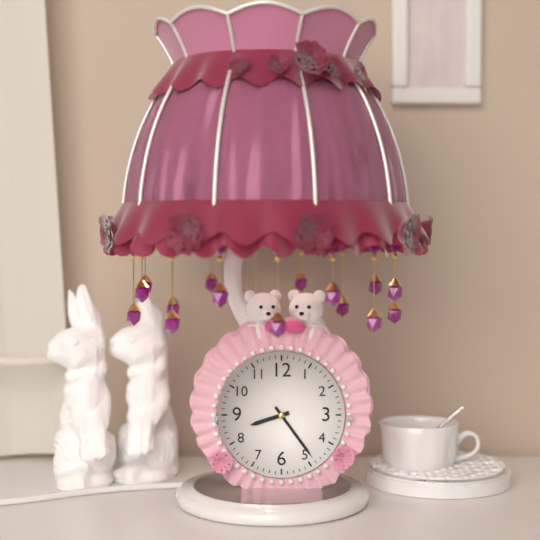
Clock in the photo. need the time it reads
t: 8:24
